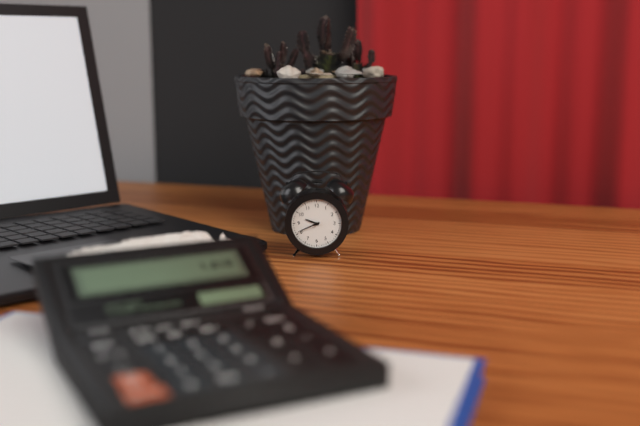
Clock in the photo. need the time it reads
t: 9:41
